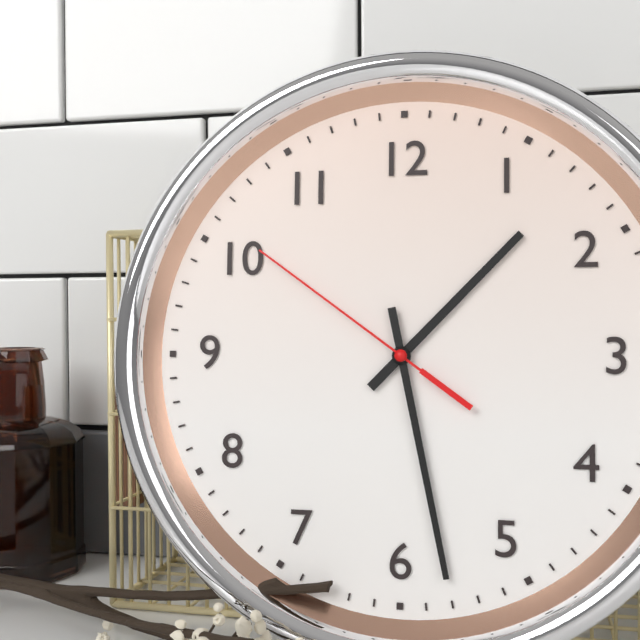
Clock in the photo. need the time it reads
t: 1:28:51
